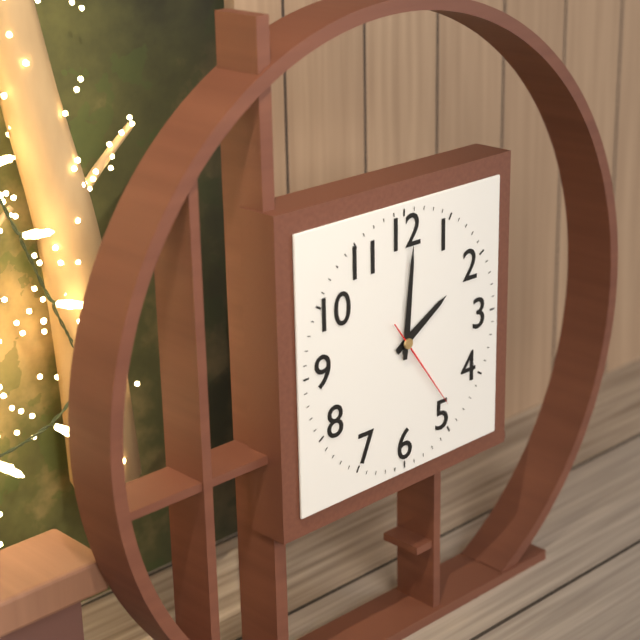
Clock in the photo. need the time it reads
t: 2:01:24
